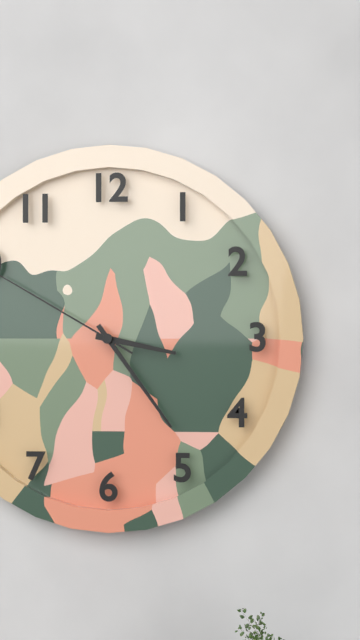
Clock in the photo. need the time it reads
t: 3:24
